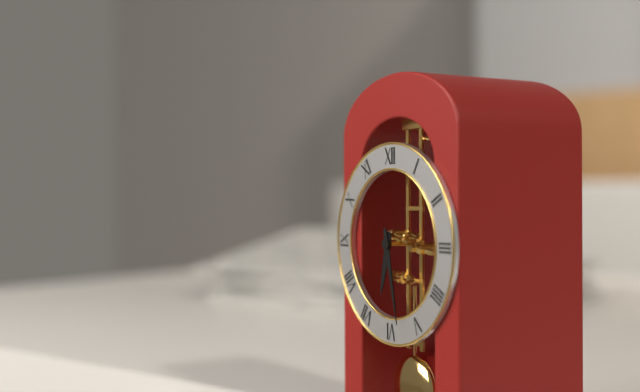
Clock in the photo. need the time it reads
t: 6:28
